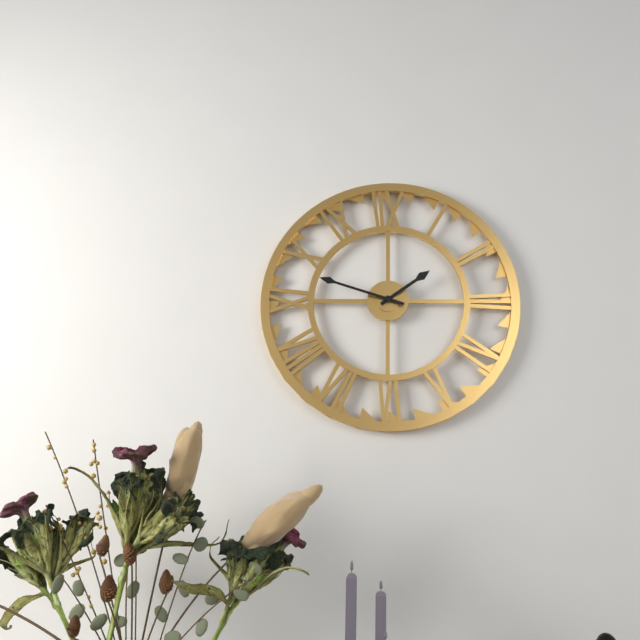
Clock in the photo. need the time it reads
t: 1:48
